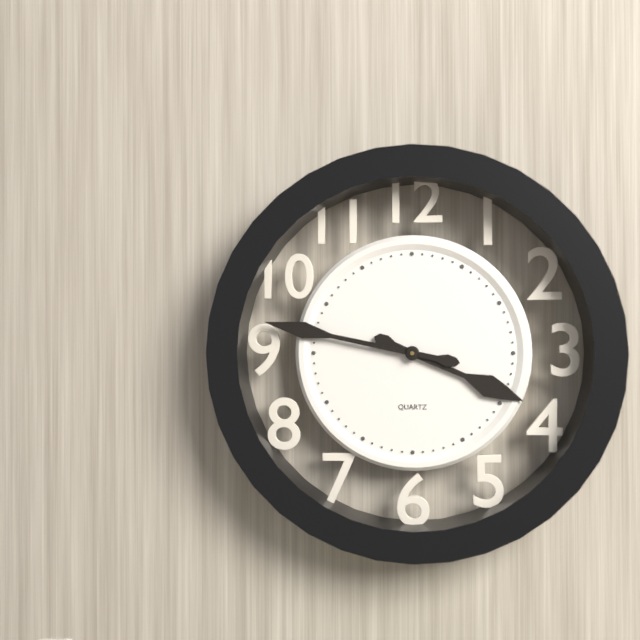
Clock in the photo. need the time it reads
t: 3:47
